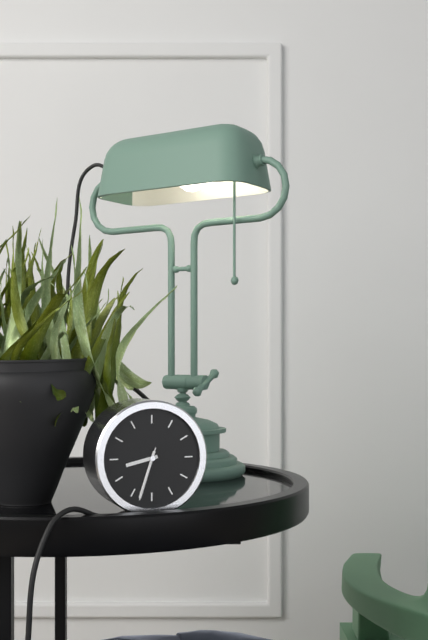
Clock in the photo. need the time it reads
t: 8:33:33
